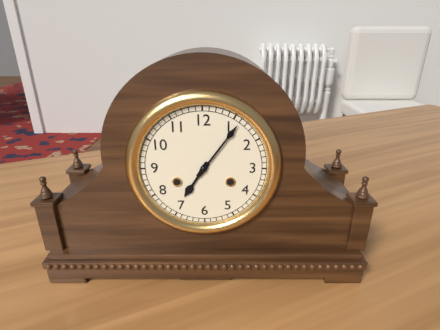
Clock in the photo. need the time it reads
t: 7:06
